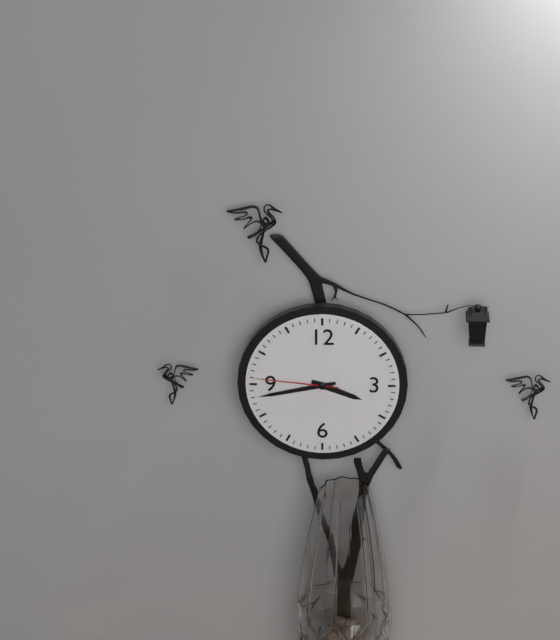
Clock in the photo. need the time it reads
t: 3:43:46
